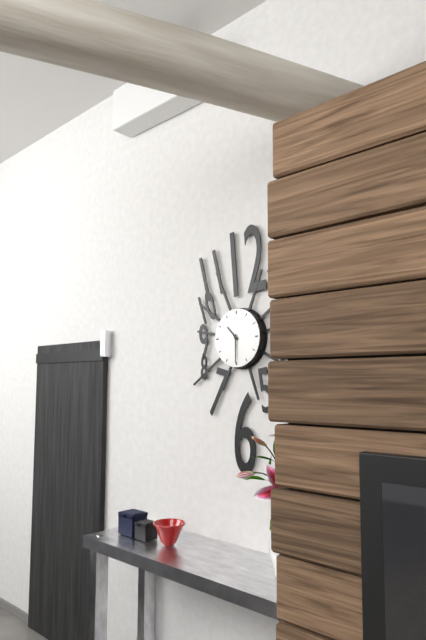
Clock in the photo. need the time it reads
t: 10:30
